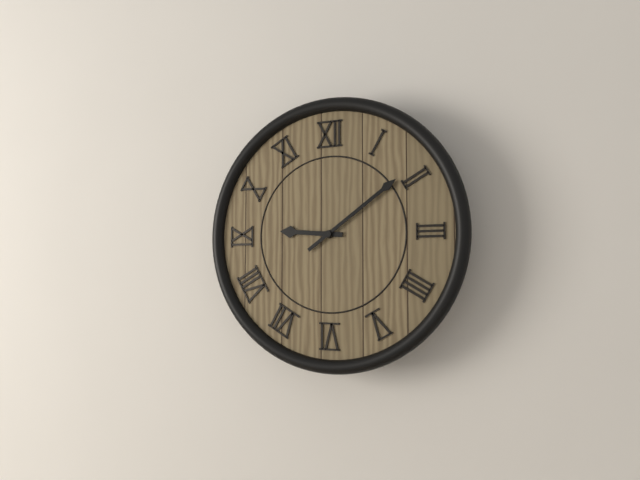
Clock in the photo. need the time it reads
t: 9:09
